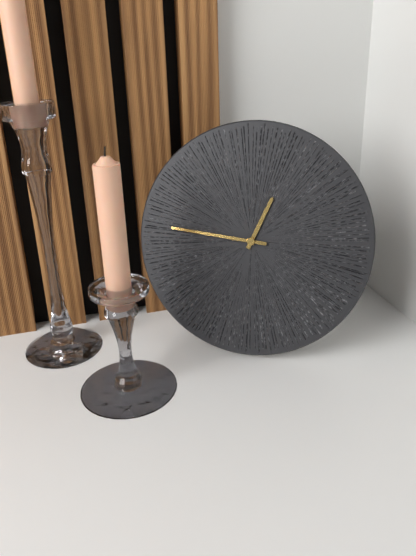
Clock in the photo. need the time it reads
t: 12:46
